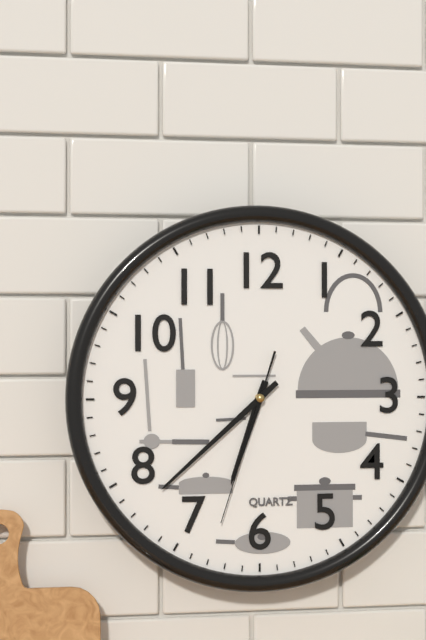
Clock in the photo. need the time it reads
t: 6:38:33
